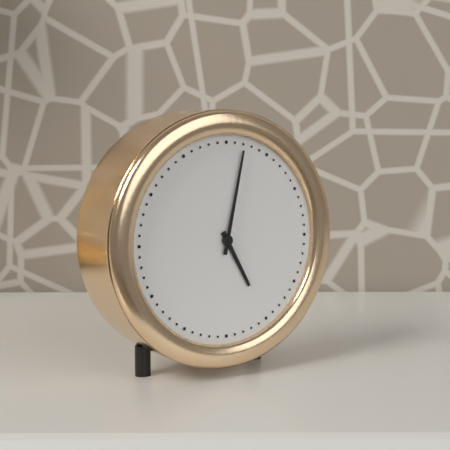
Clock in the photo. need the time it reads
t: 5:02
